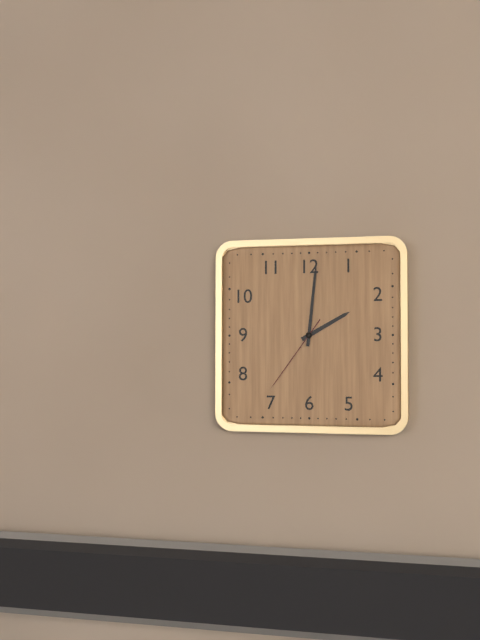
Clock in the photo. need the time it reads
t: 2:01:36
